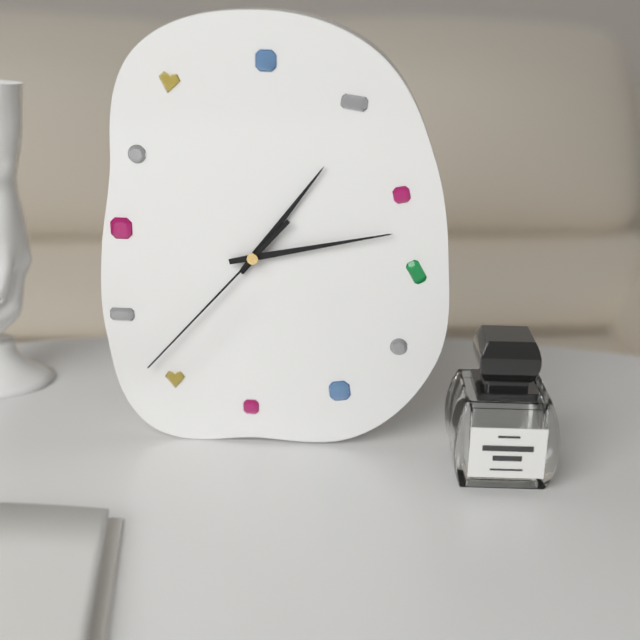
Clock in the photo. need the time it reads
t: 1:13:37
